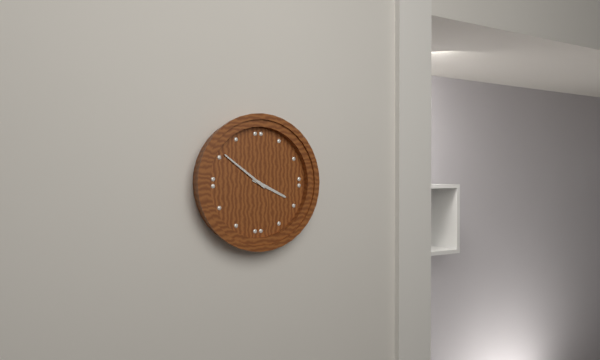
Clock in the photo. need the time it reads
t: 3:51
